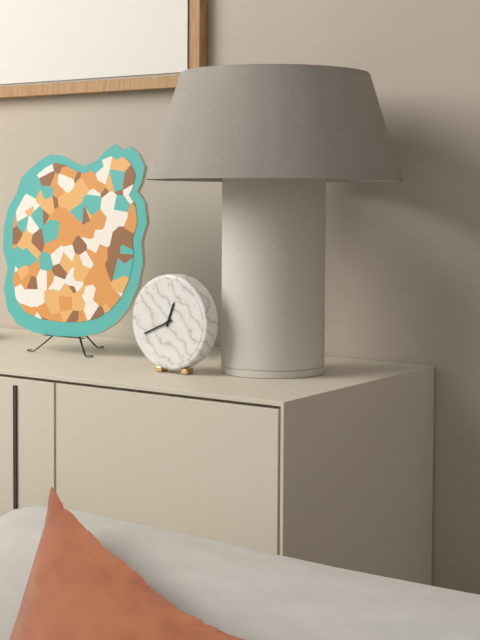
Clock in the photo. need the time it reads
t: 12:41
